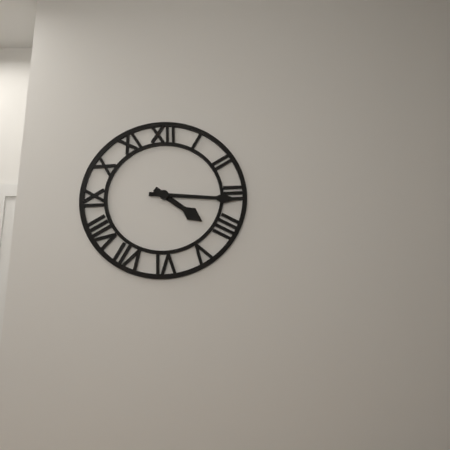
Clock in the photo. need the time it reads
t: 4:16
